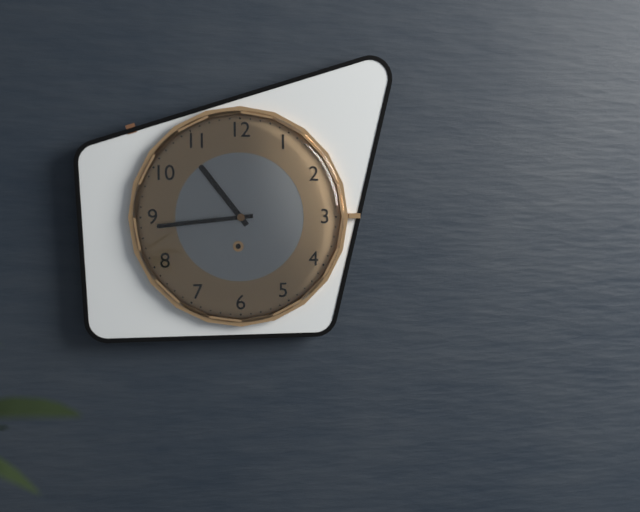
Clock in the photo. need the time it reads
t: 10:44
